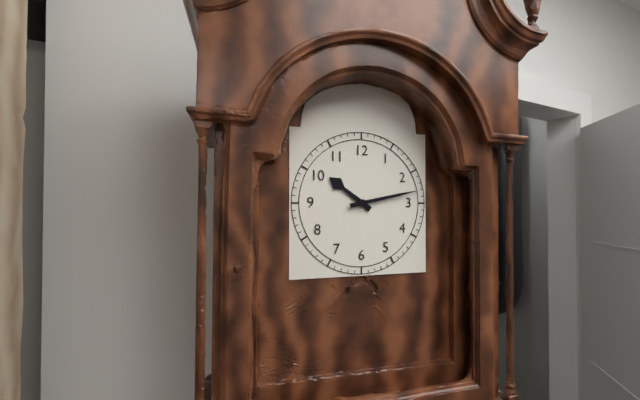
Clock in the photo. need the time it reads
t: 10:13
